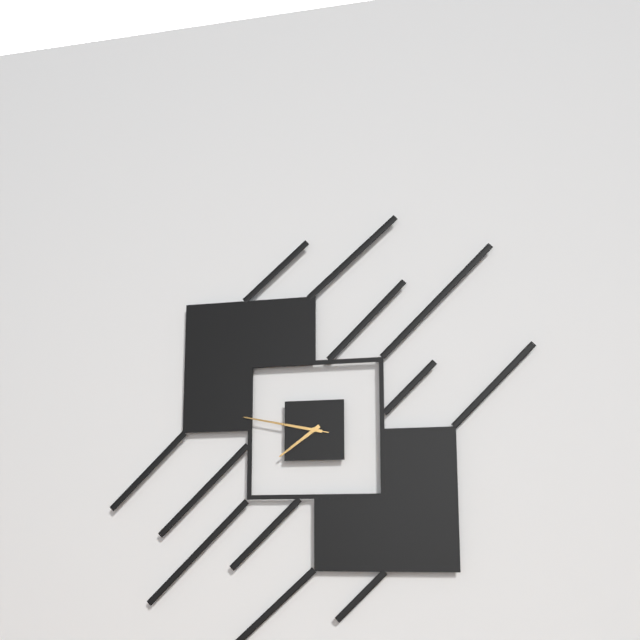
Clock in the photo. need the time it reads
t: 7:47:47
